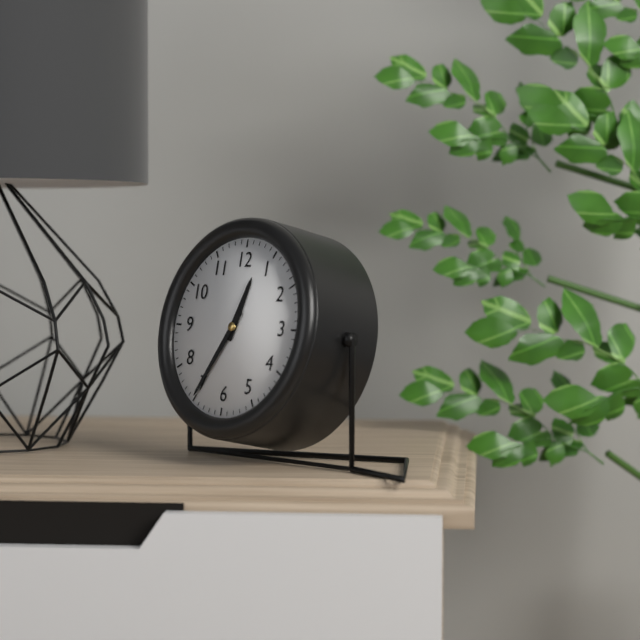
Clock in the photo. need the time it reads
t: 12:35
